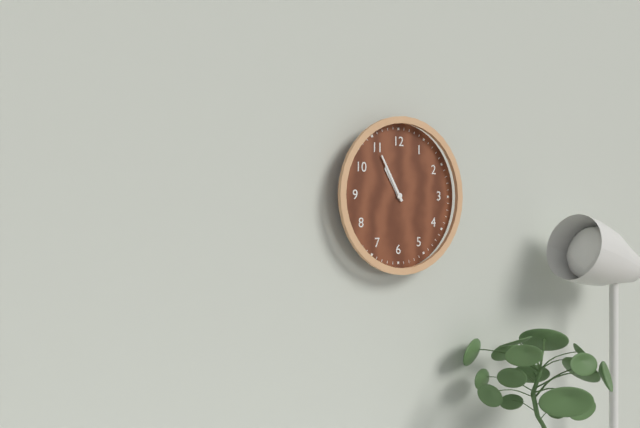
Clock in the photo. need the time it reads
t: 10:55
